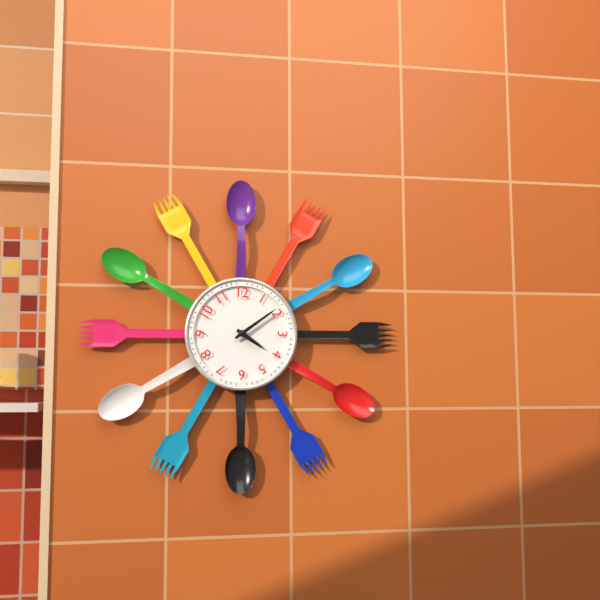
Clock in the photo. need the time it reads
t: 4:09
